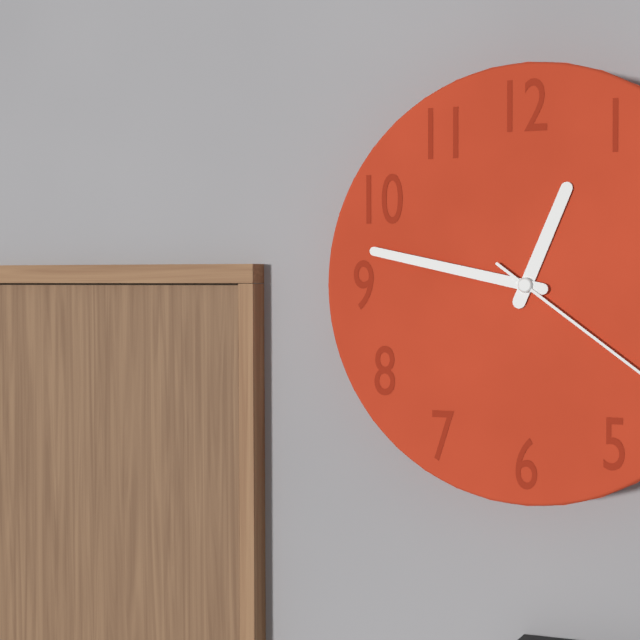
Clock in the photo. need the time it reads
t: 12:47
